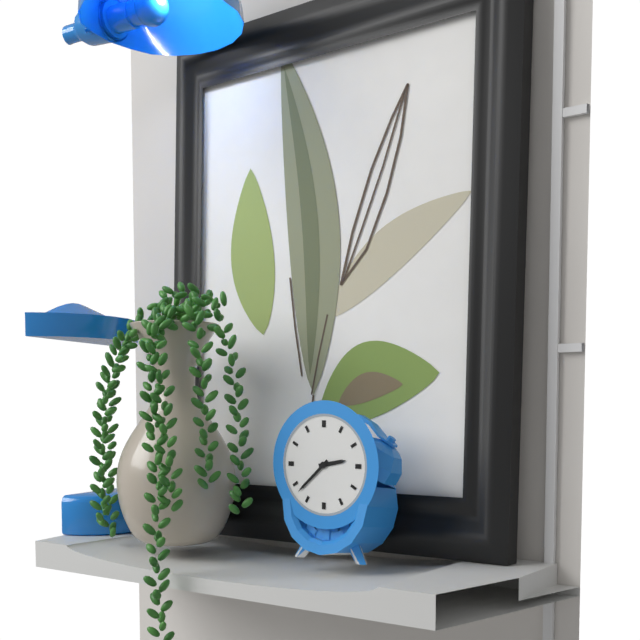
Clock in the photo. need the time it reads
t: 2:38
